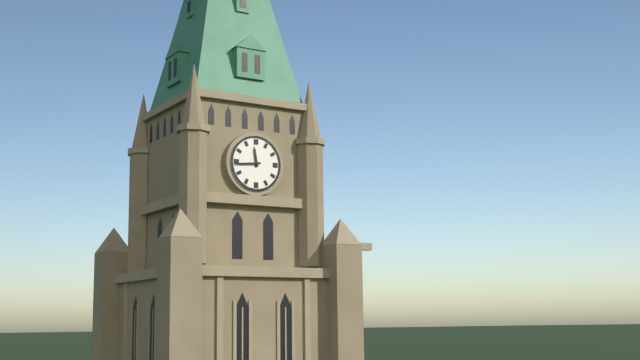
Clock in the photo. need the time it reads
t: 11:44
